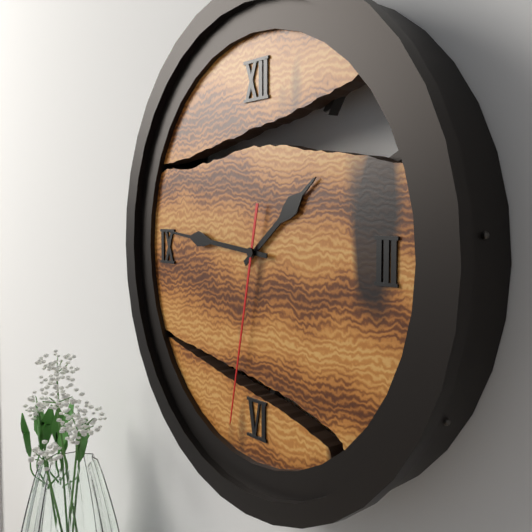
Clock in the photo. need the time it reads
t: 1:46:32
